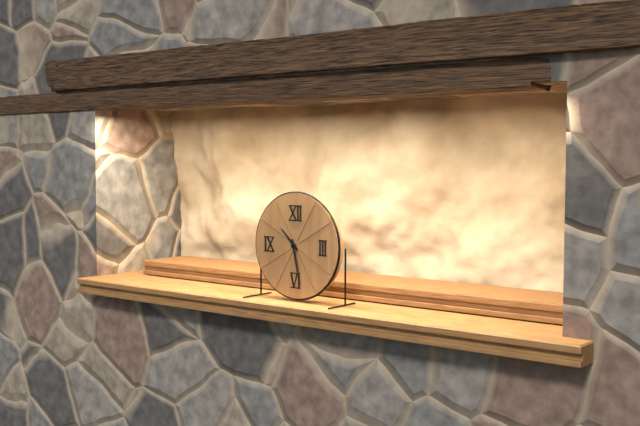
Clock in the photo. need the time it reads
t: 10:28
